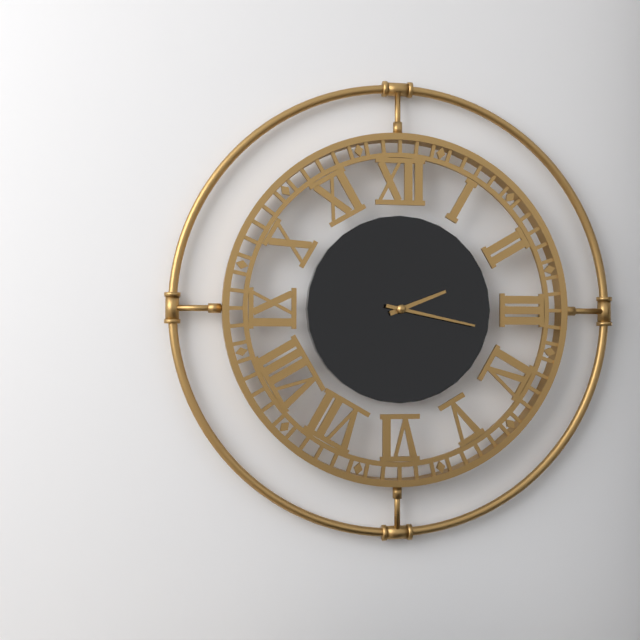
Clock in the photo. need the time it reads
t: 2:17
